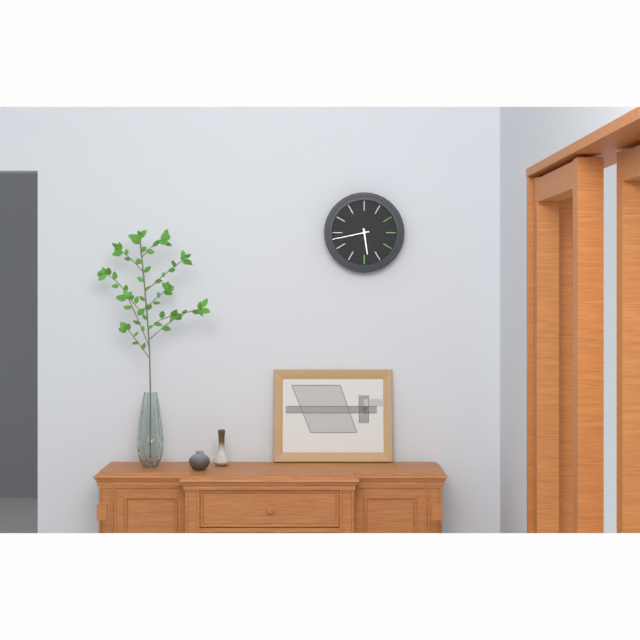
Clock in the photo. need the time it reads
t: 5:43
